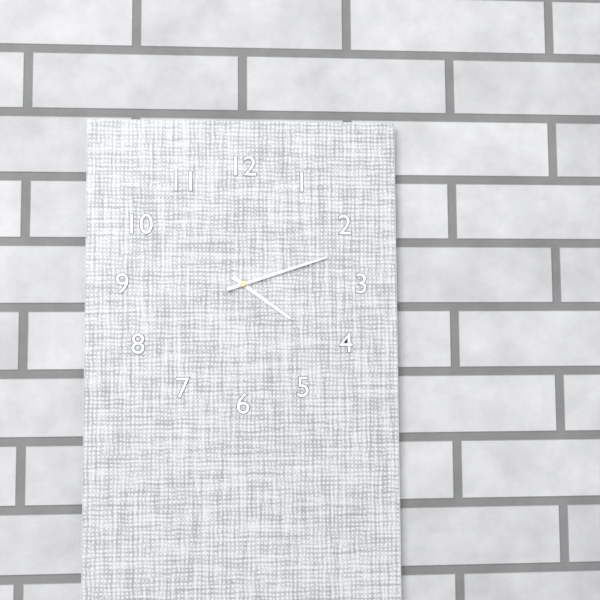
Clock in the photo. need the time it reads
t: 4:12
